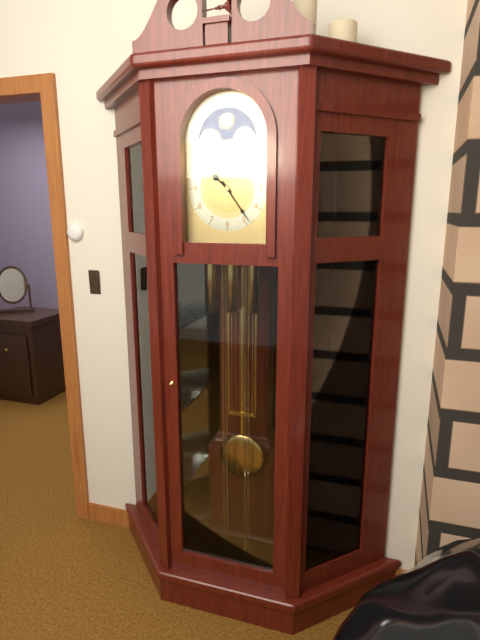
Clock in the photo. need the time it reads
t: 10:24
